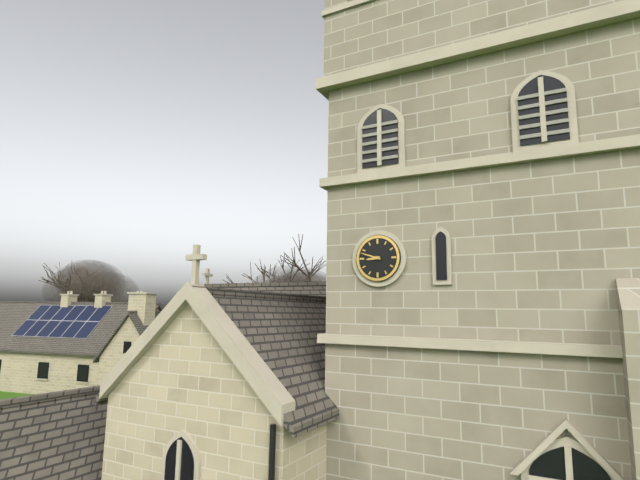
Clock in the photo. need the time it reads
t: 8:48
